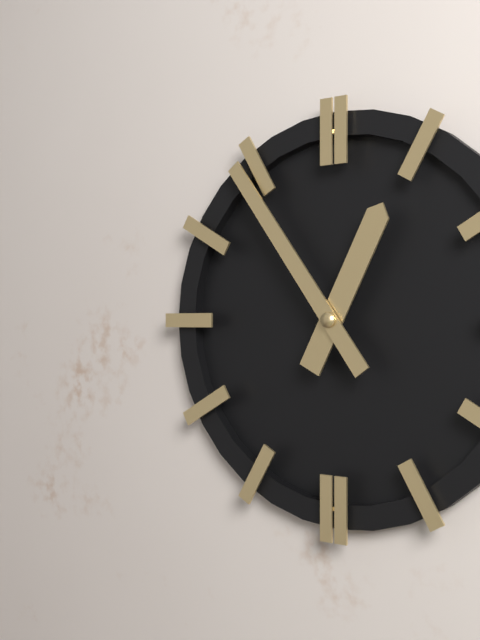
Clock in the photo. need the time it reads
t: 12:54
